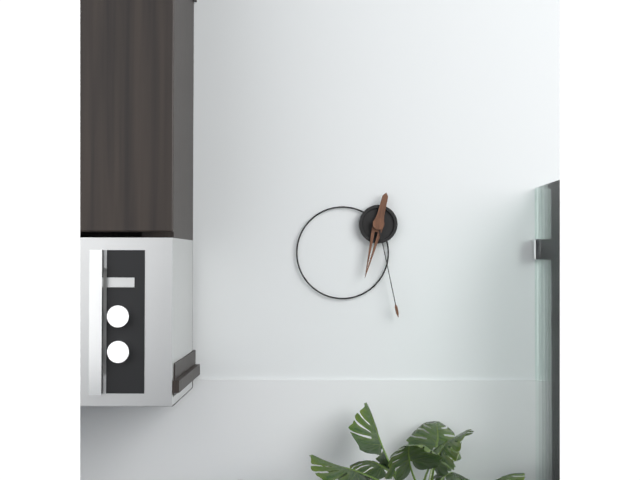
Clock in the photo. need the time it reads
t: 6:28
